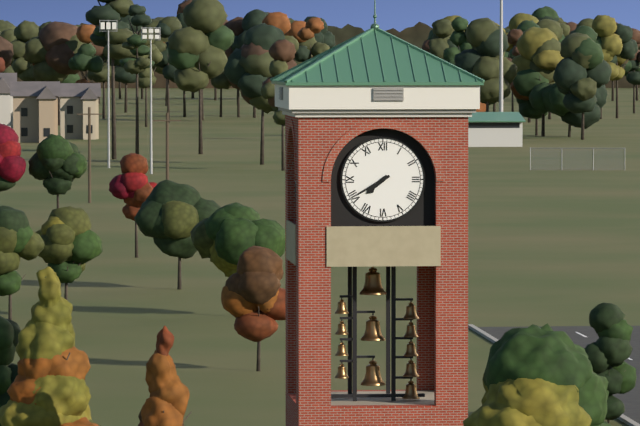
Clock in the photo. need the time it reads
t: 7:40
